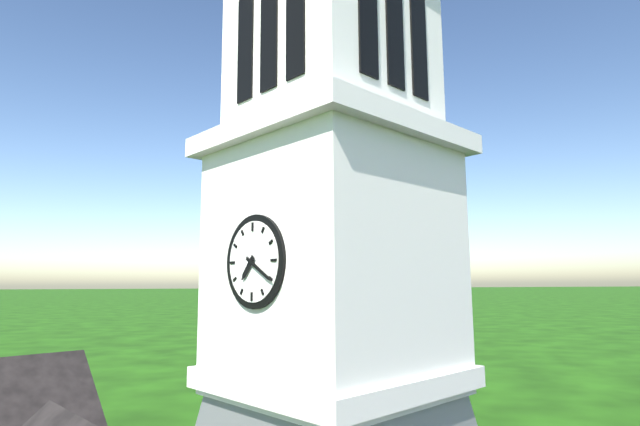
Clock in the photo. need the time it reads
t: 7:20
